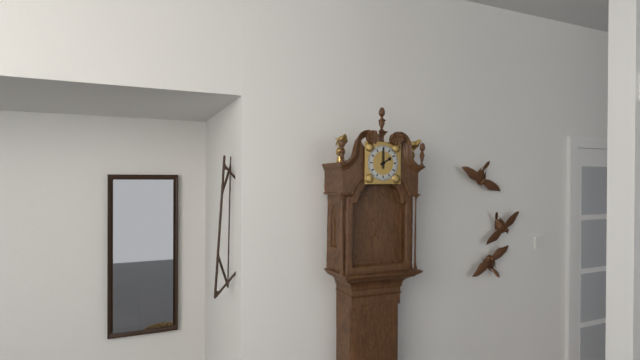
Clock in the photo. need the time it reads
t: 2:00
